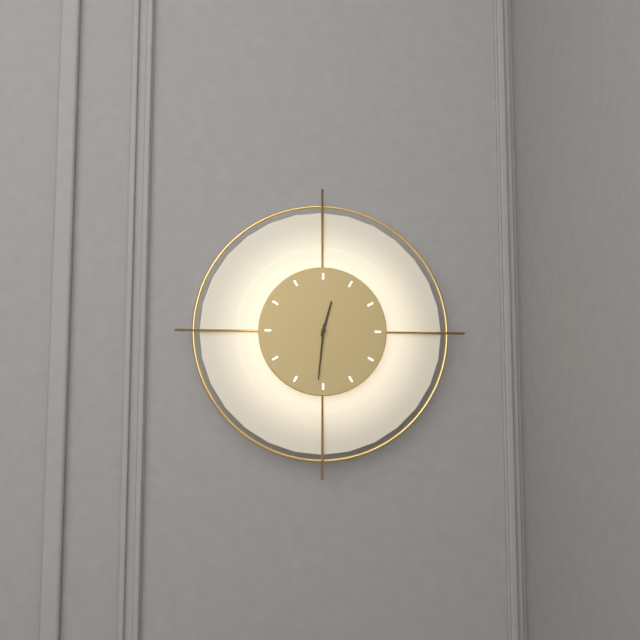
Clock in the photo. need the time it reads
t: 12:31
